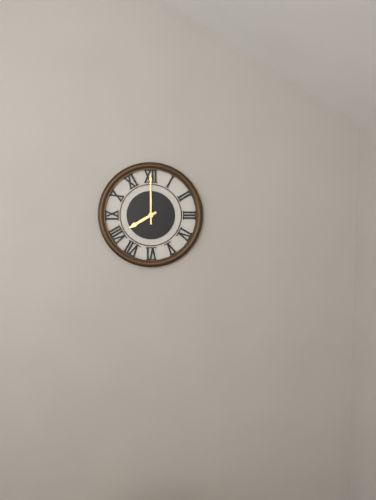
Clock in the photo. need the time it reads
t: 8:00
